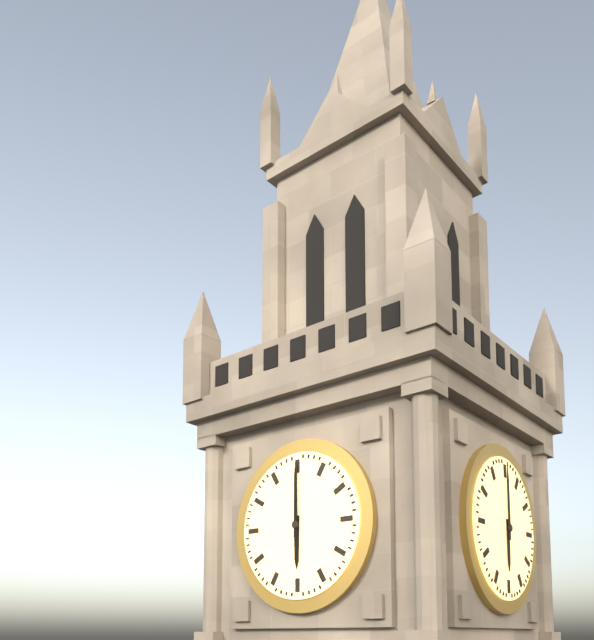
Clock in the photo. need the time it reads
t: 6:00
